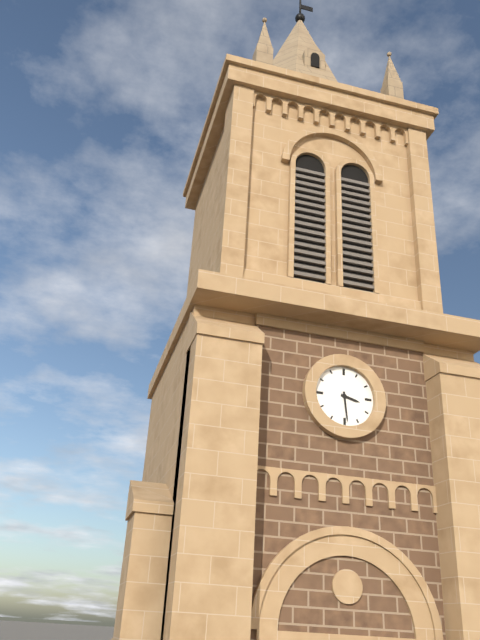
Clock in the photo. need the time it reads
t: 3:29
